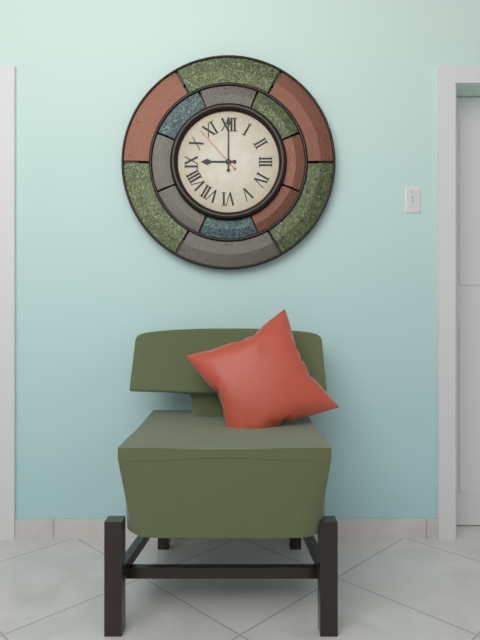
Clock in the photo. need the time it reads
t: 9:00:53
